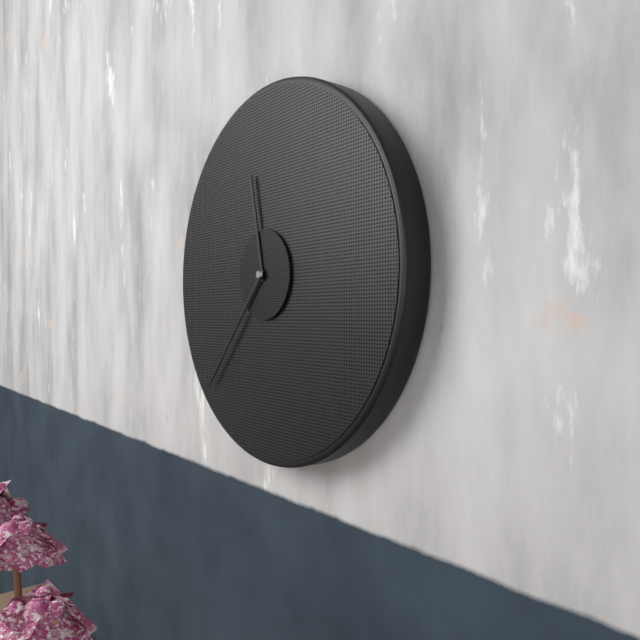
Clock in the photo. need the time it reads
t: 11:37
